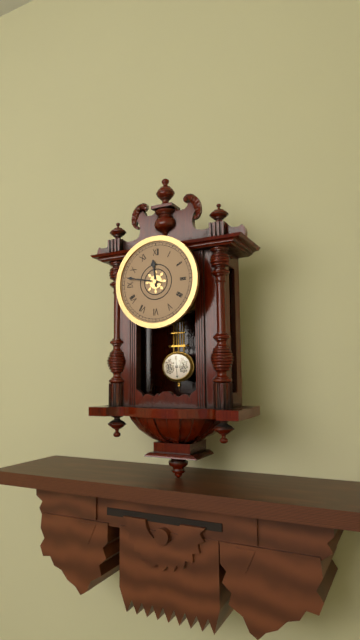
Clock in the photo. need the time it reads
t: 11:47
